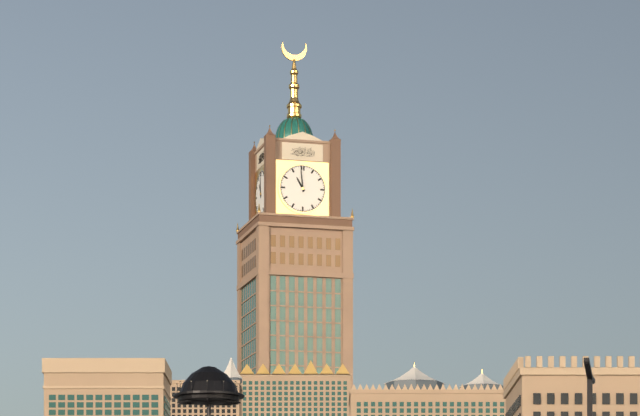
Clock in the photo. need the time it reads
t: 10:59
